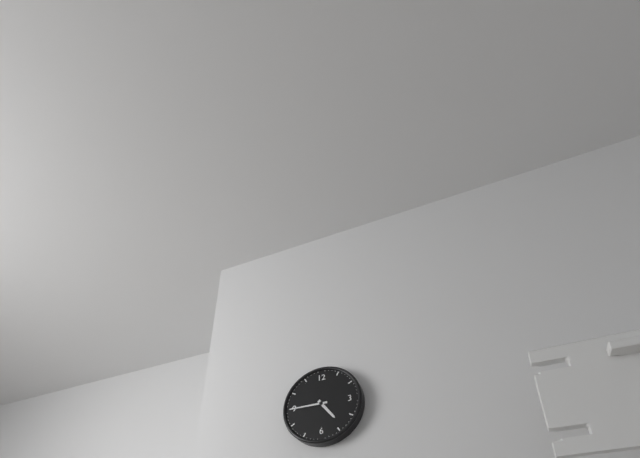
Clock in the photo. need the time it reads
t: 4:45
